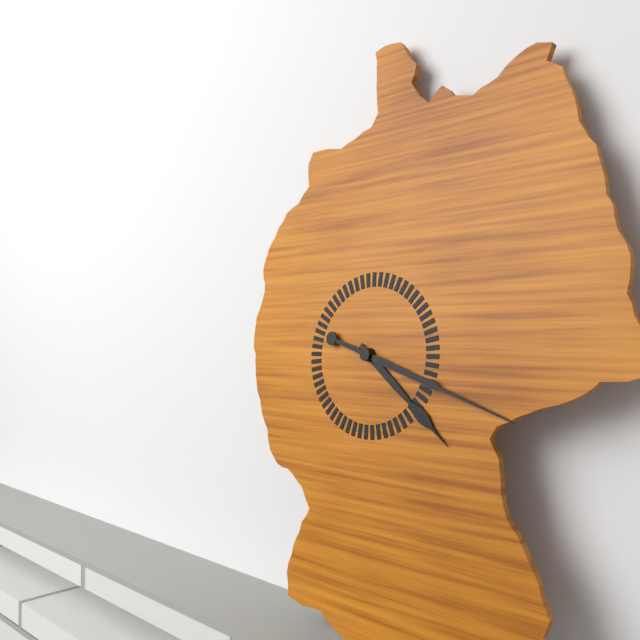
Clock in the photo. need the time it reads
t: 4:18
